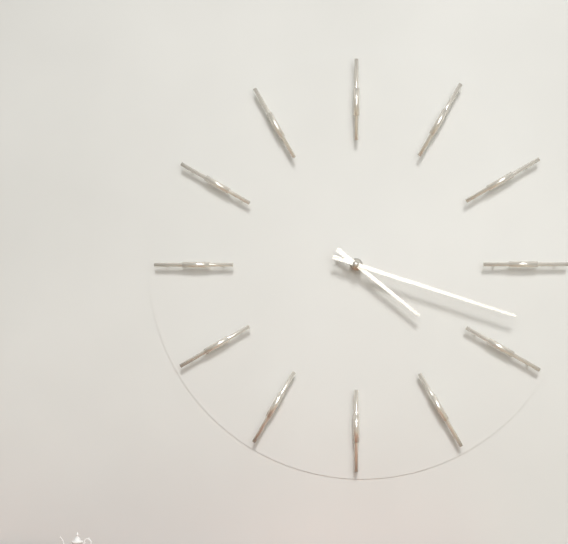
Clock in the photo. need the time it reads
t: 4:18
